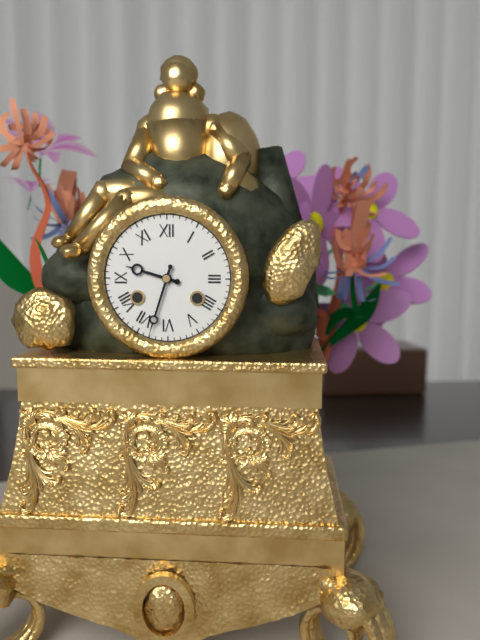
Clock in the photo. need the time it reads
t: 9:33
